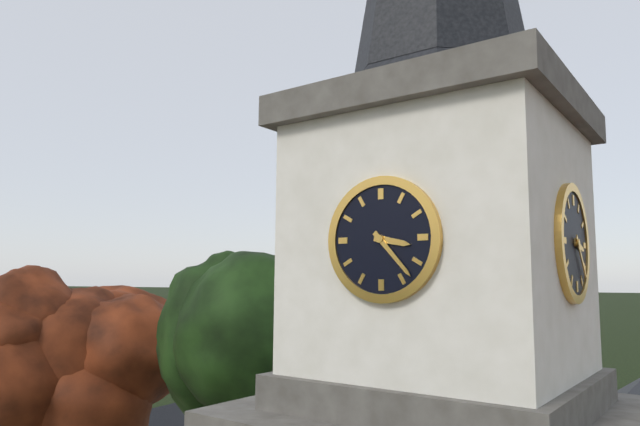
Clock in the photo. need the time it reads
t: 3:23
